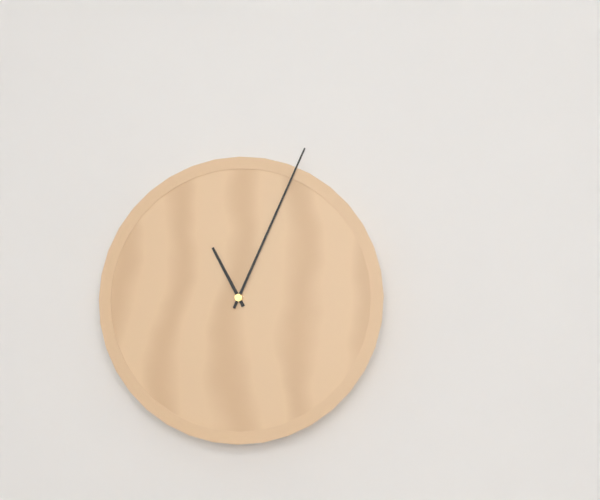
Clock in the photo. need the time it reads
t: 11:04
